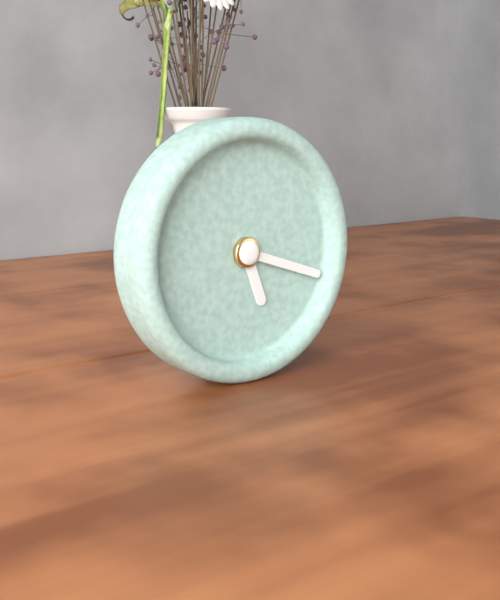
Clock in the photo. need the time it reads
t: 5:18
